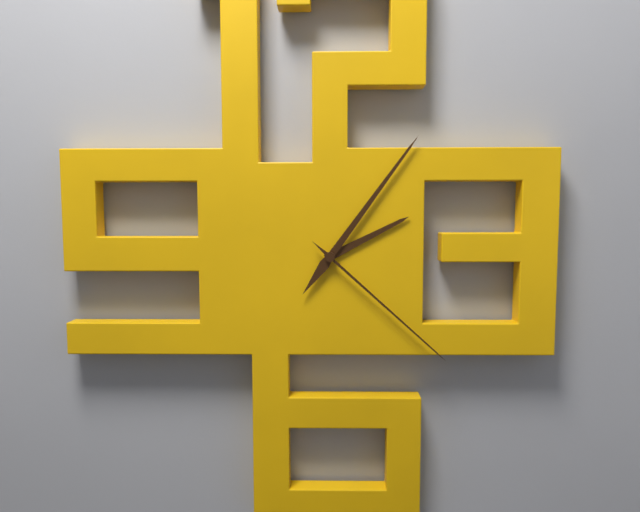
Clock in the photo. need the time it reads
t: 2:06:22
